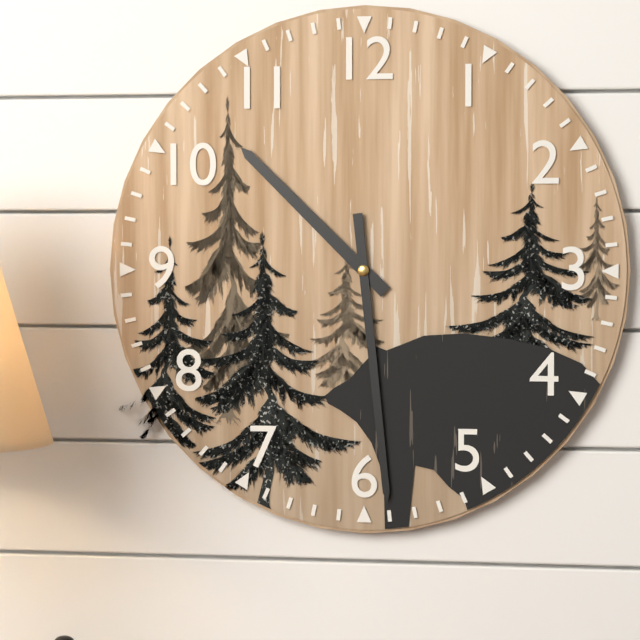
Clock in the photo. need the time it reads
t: 10:29
